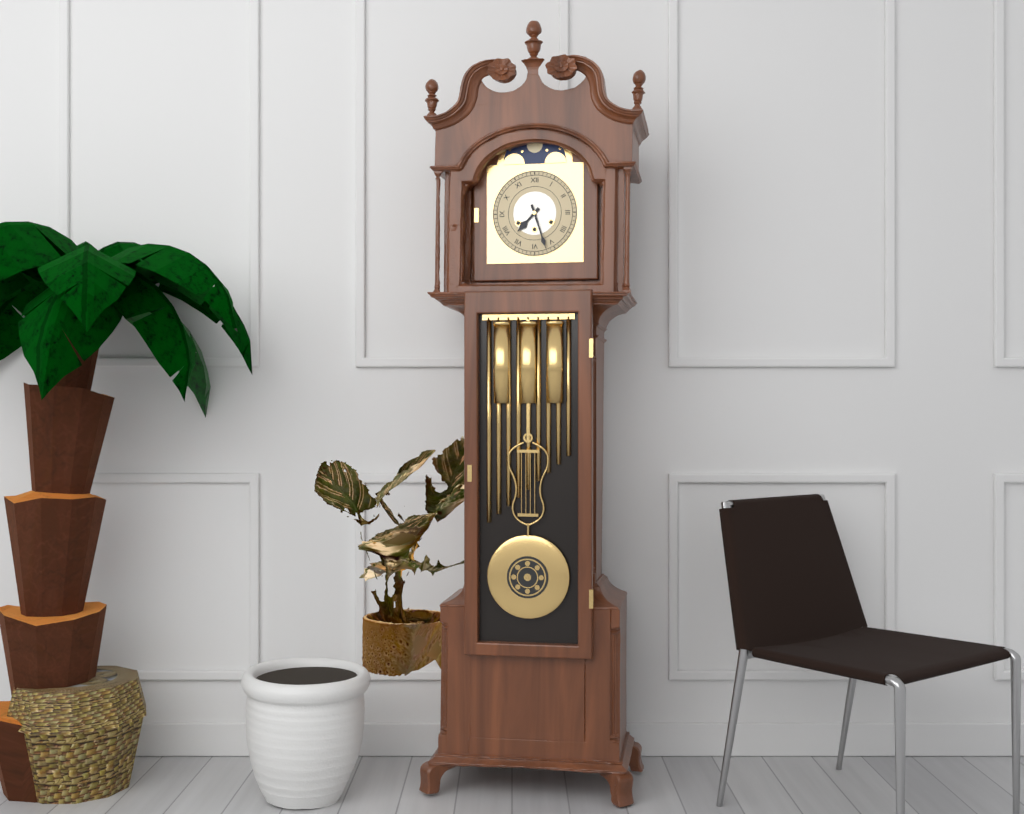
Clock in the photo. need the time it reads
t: 7:27
